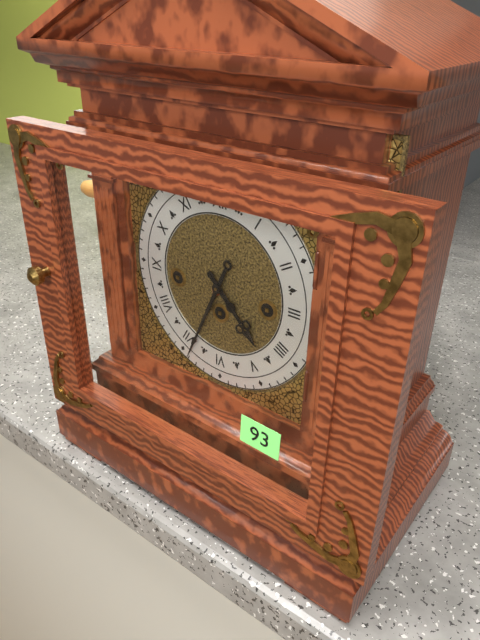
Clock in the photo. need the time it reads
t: 4:34
